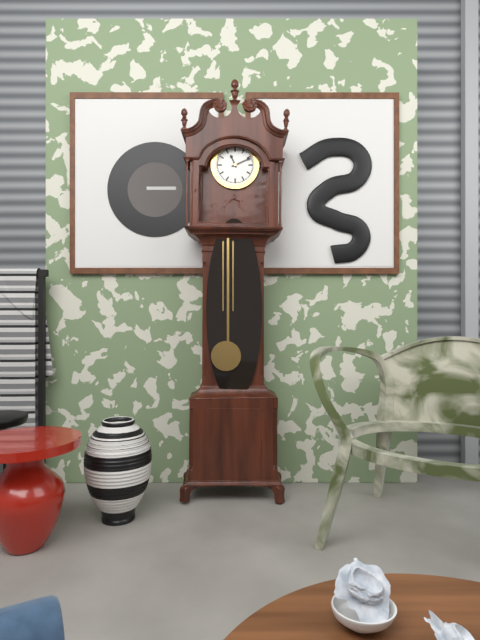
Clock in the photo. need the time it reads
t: 11:11
